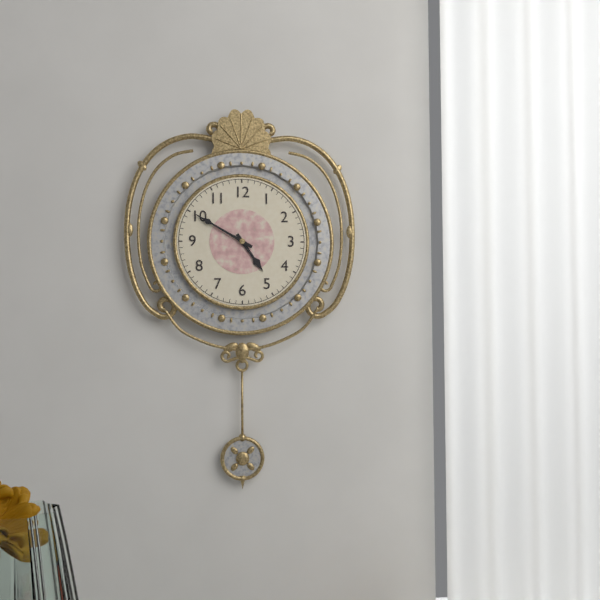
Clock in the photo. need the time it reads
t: 4:50
